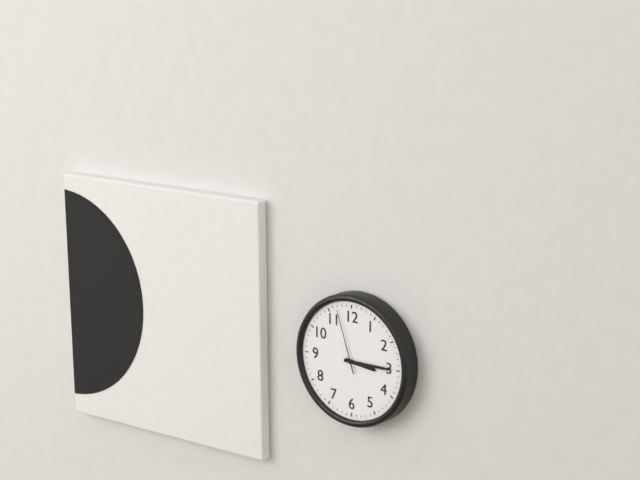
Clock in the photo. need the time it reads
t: 3:15:57
